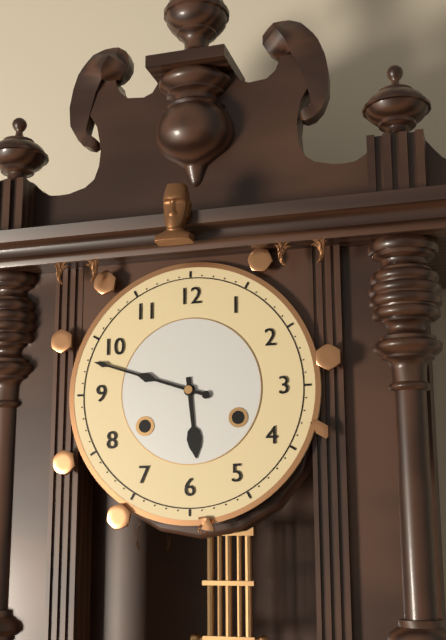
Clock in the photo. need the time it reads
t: 5:48
